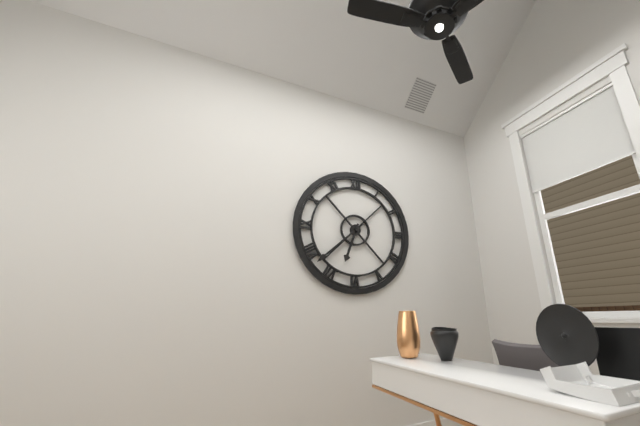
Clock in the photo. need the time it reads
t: 6:38
